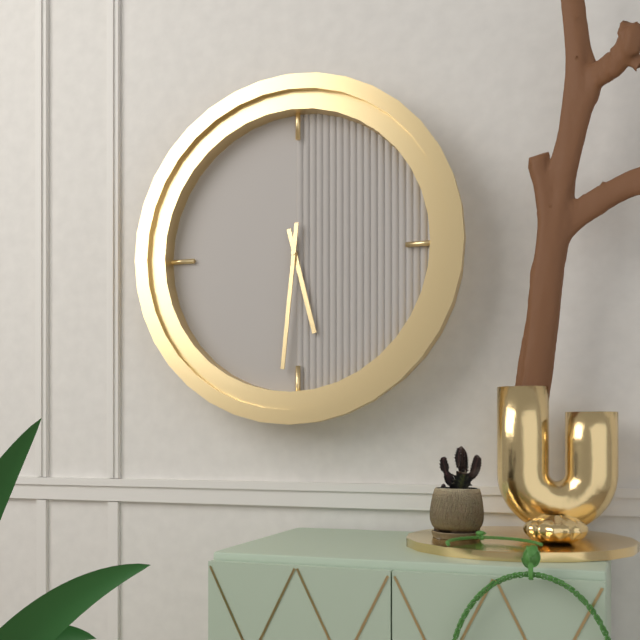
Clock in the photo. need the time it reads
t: 5:31
